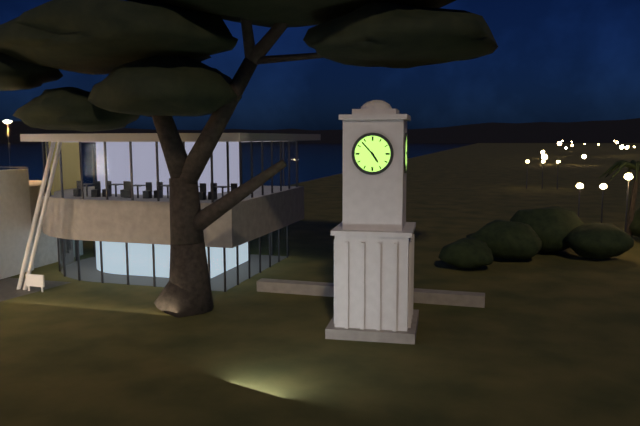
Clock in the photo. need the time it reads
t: 4:53
